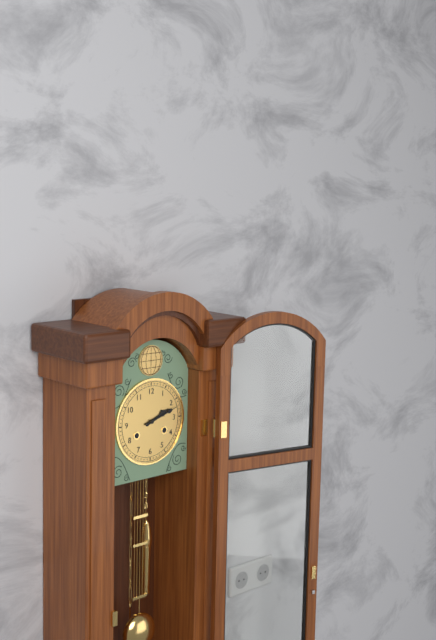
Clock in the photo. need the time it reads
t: 2:12
